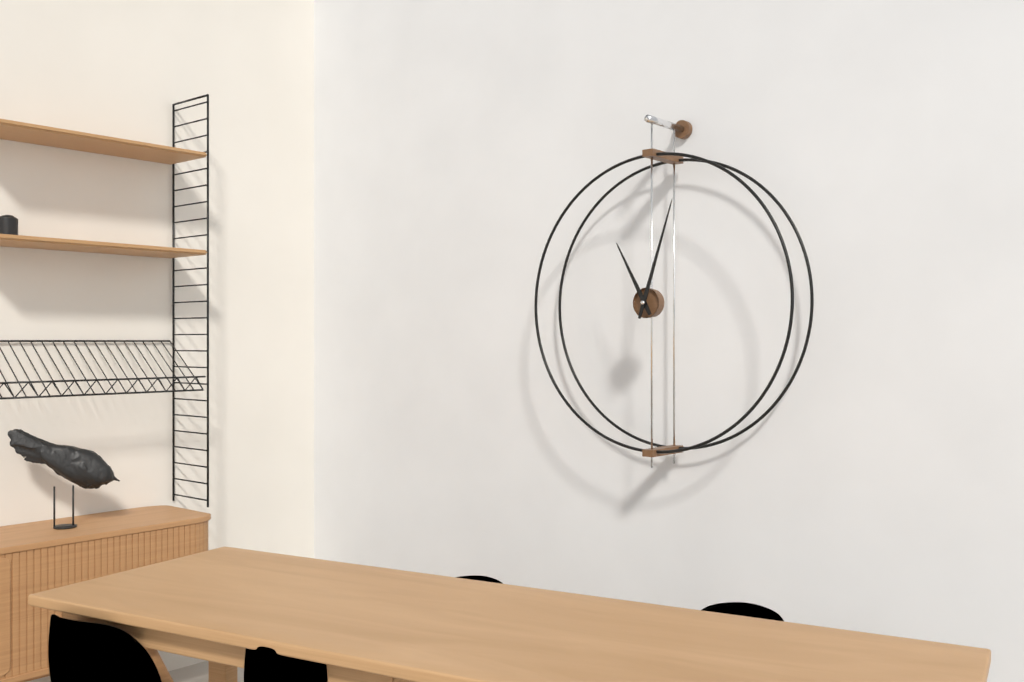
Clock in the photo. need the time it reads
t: 11:03
